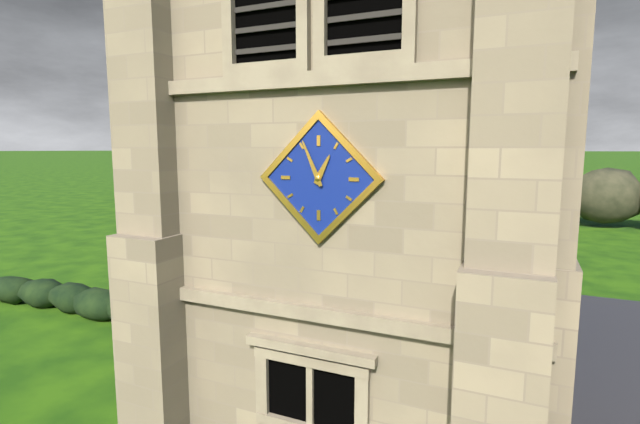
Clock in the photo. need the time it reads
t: 12:56
